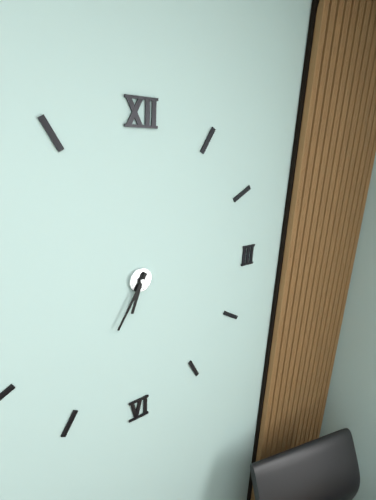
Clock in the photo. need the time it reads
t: 6:35
